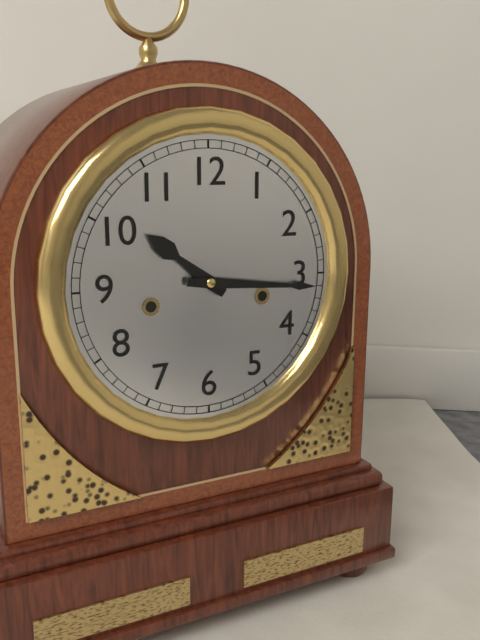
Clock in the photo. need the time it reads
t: 10:16
